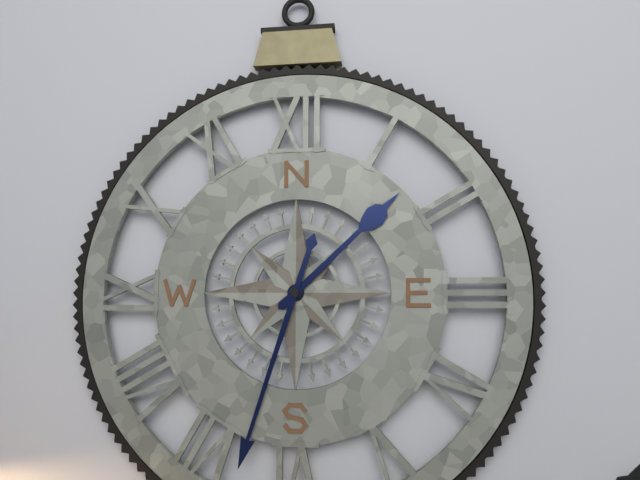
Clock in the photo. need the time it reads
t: 1:33
